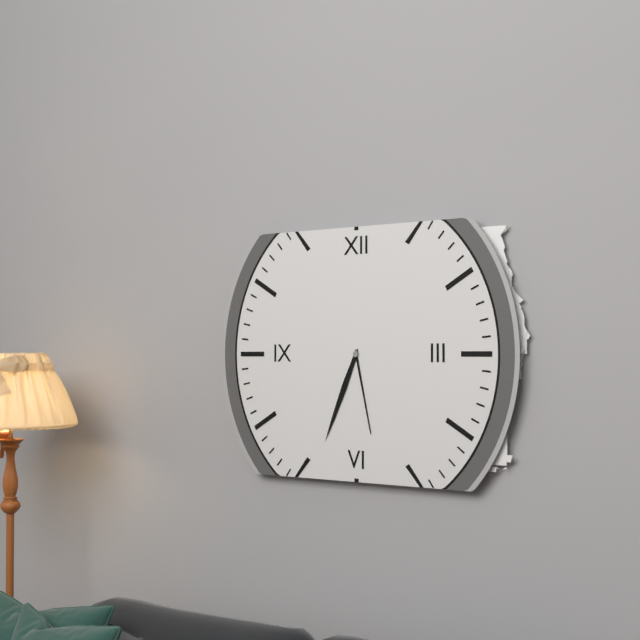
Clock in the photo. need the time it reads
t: 5:34
